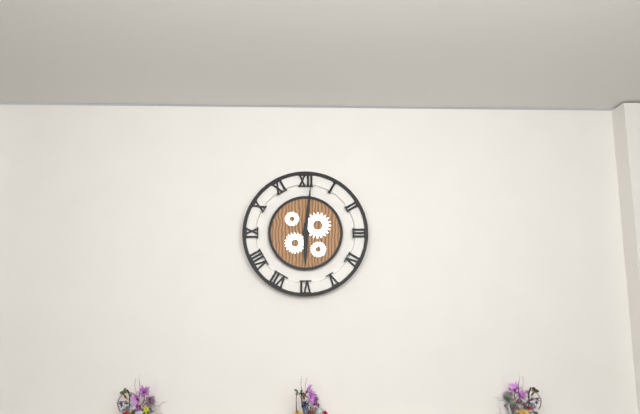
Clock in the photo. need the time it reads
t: 6:01
